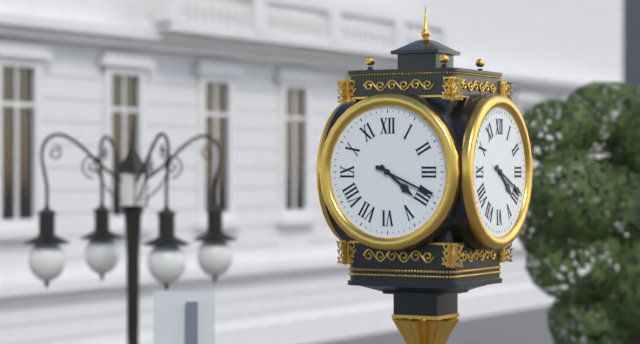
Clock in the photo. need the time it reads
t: 4:19
